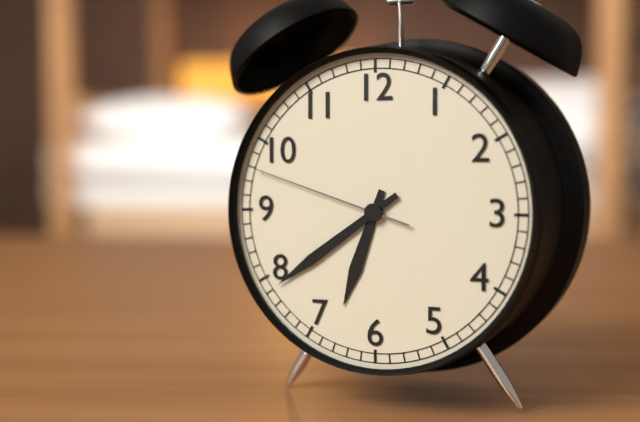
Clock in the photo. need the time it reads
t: 6:39:48
